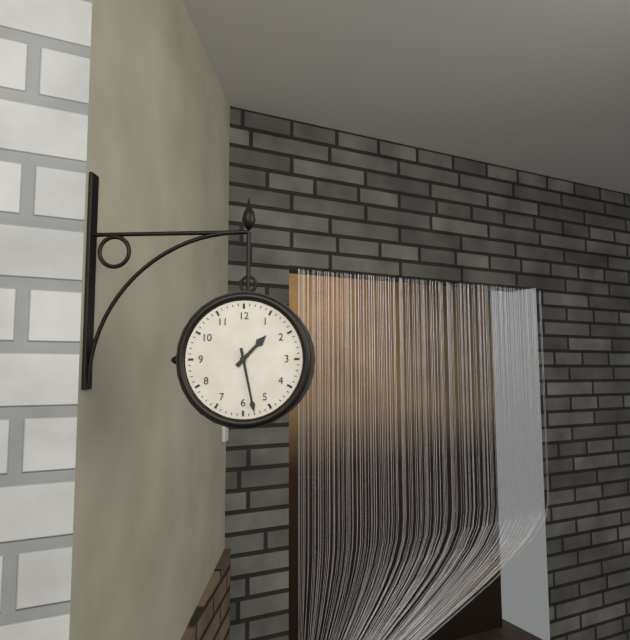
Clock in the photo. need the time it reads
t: 1:28
